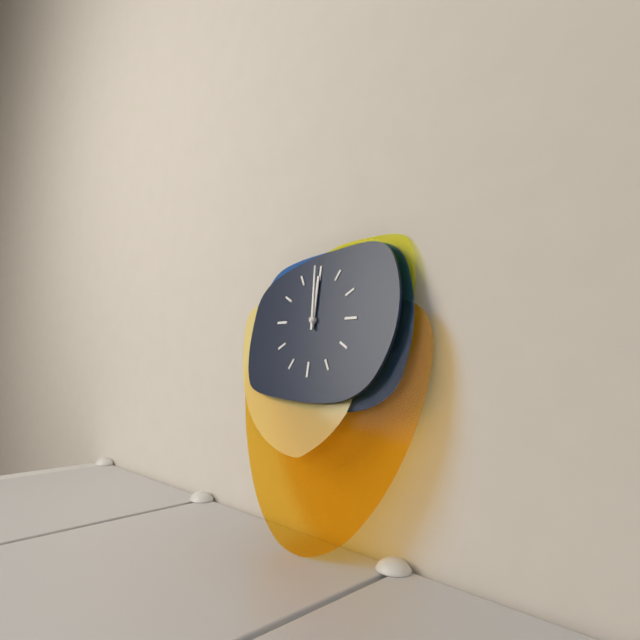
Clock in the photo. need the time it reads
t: 11:59
